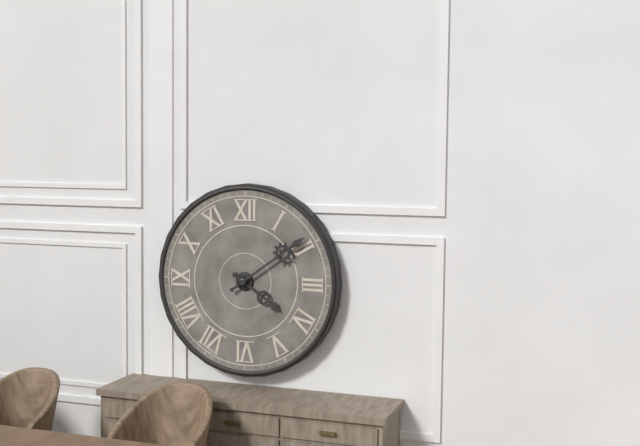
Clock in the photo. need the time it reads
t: 4:09
